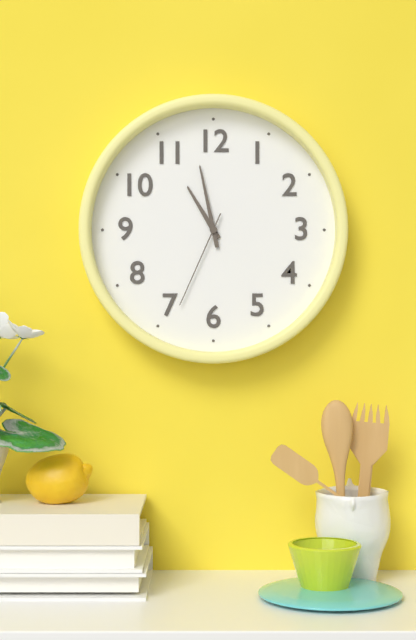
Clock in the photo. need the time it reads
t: 10:58:34
